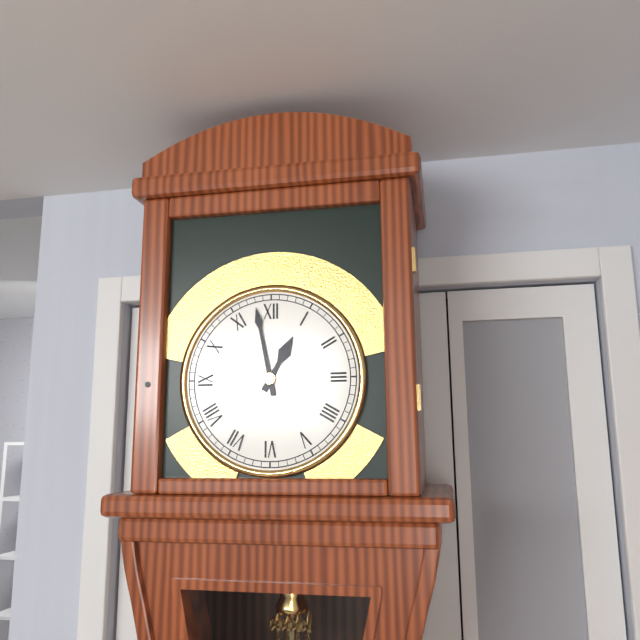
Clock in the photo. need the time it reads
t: 12:58
